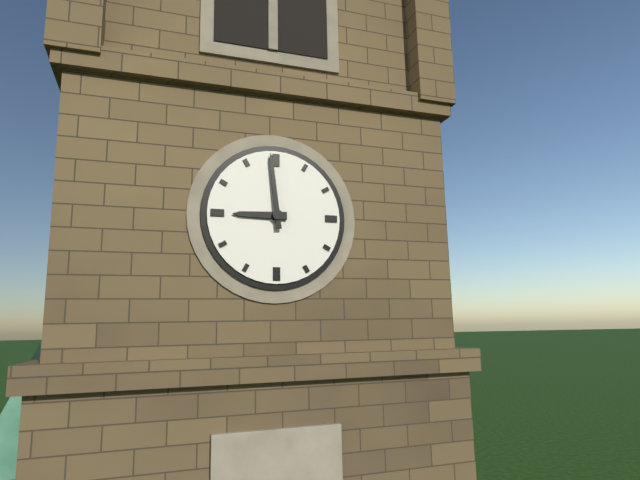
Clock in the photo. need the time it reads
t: 8:59
